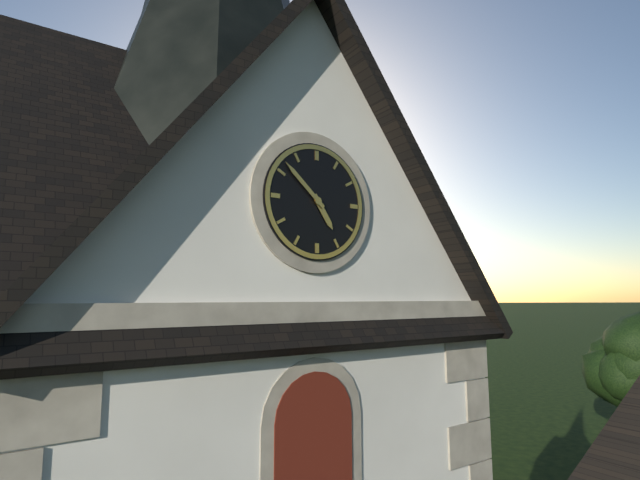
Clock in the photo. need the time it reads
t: 4:52
